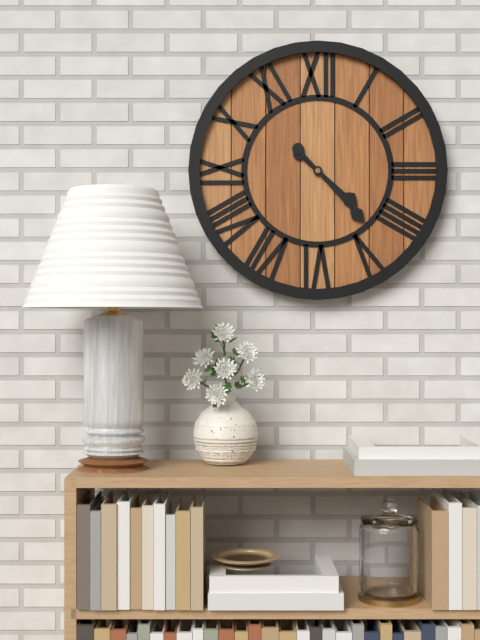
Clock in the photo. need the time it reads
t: 4:23
